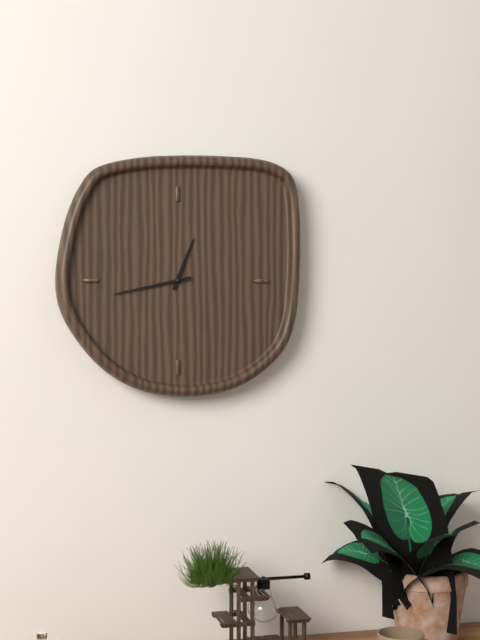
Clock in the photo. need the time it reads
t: 12:43
